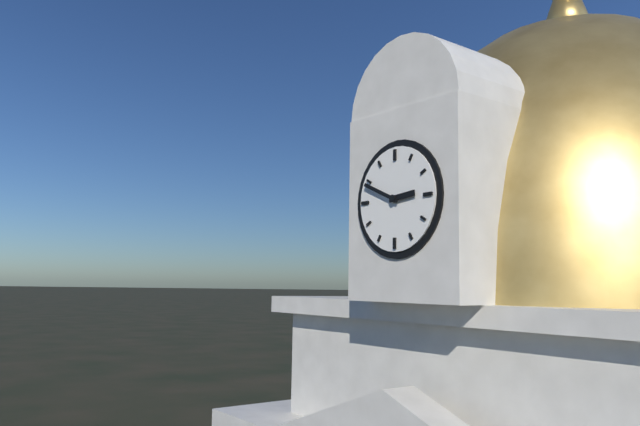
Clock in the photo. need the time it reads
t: 2:49
